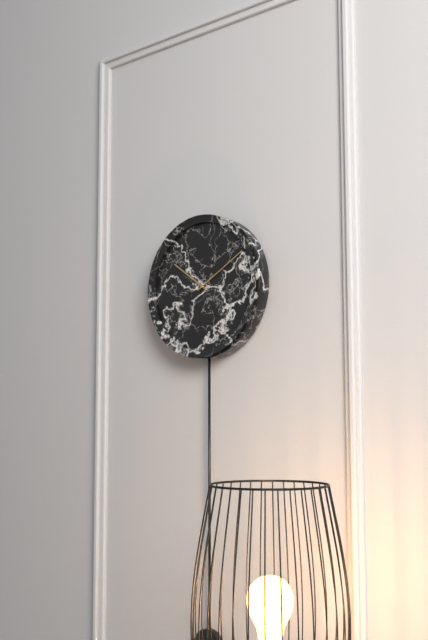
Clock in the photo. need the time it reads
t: 10:10
